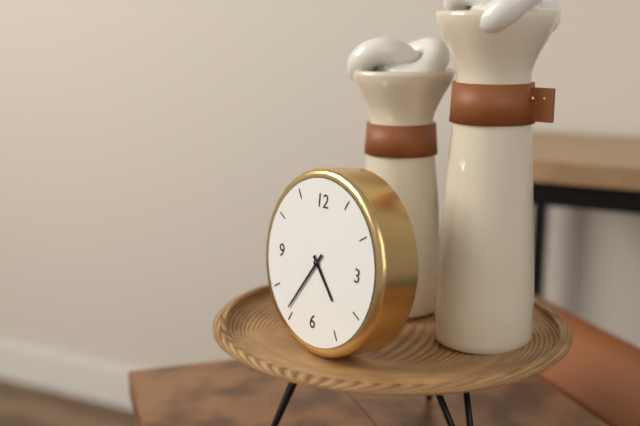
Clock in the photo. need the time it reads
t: 4:36
